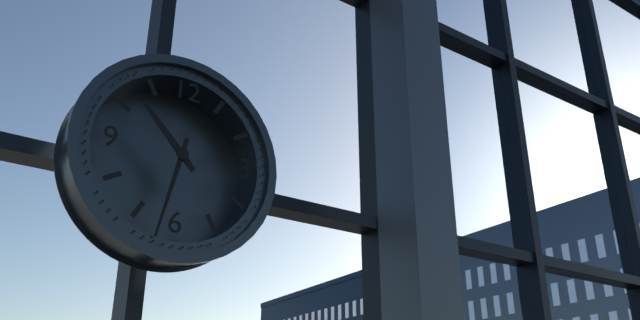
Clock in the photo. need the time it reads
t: 10:32
